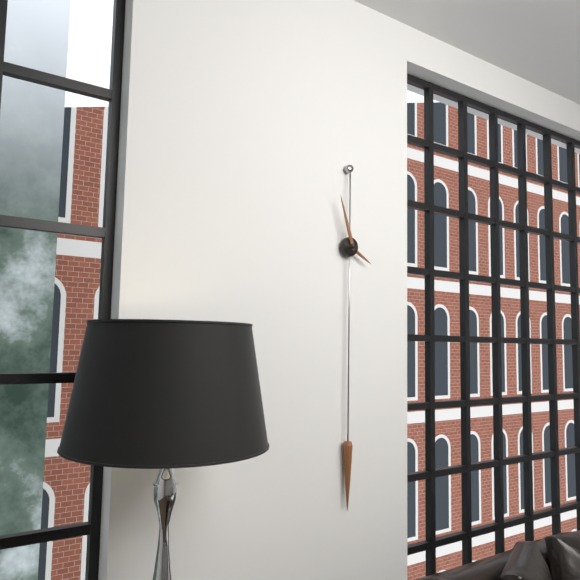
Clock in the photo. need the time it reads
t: 3:57
